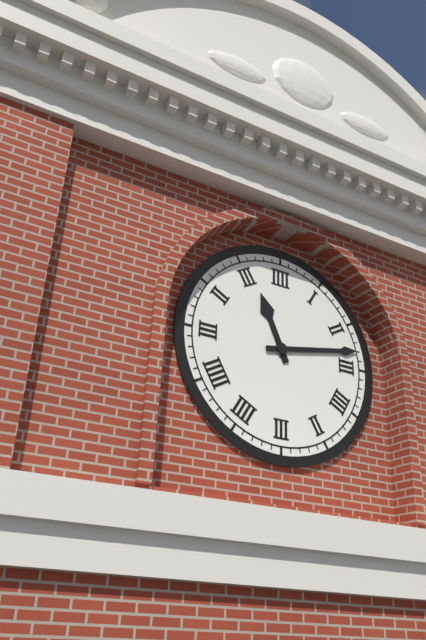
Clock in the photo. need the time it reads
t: 11:13
